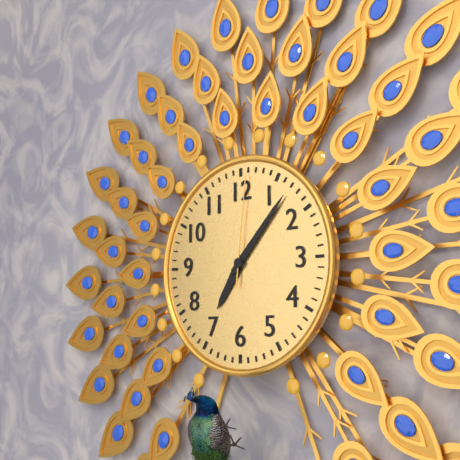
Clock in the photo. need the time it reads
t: 7:07:01
